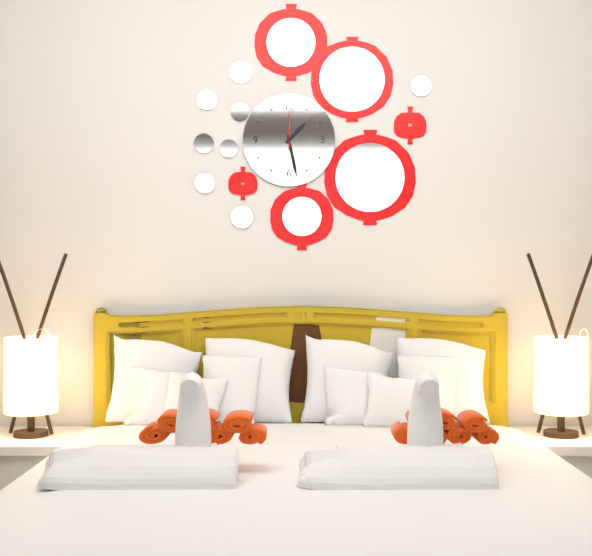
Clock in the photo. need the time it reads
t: 1:28:00
